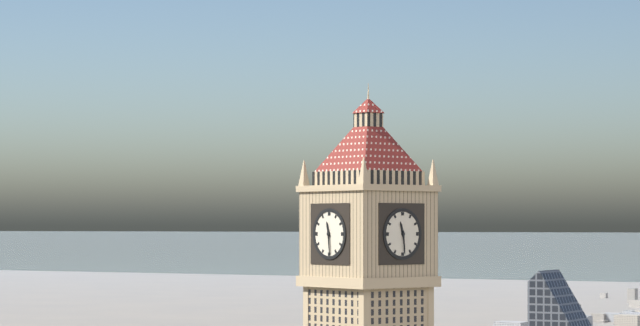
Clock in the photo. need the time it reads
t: 11:29
